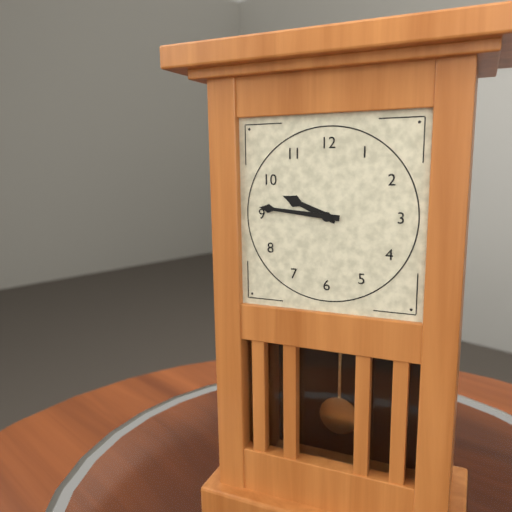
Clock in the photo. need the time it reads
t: 9:46
